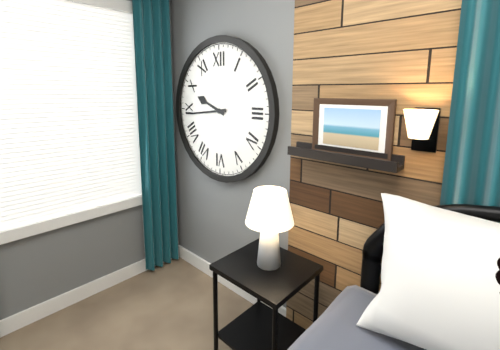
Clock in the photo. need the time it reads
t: 9:44
